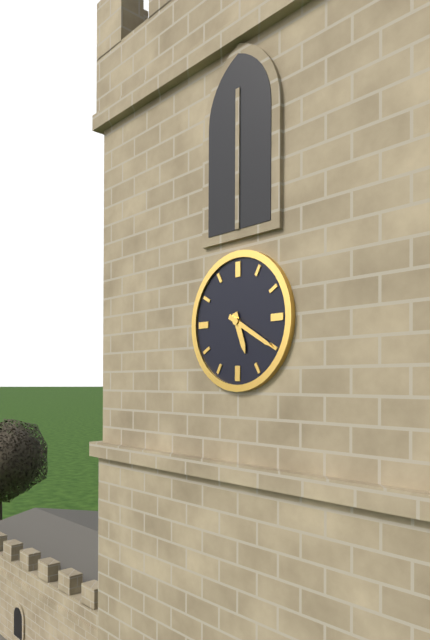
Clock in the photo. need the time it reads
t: 5:20
